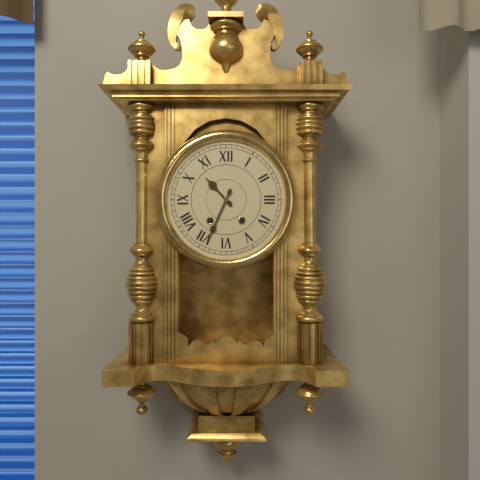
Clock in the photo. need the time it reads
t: 10:34
